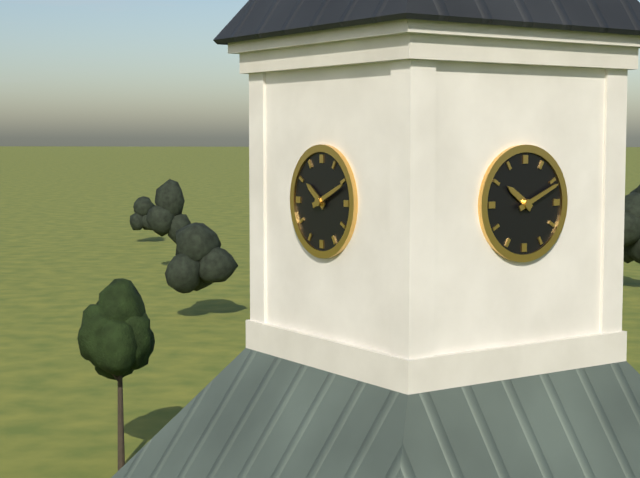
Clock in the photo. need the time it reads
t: 10:11
